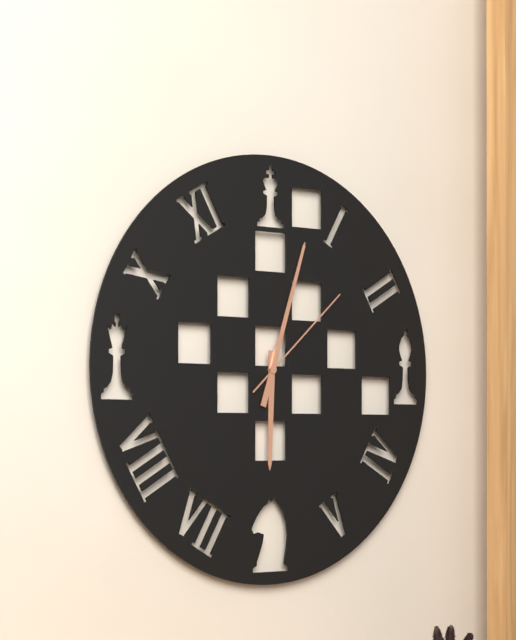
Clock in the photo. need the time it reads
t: 6:03:08
